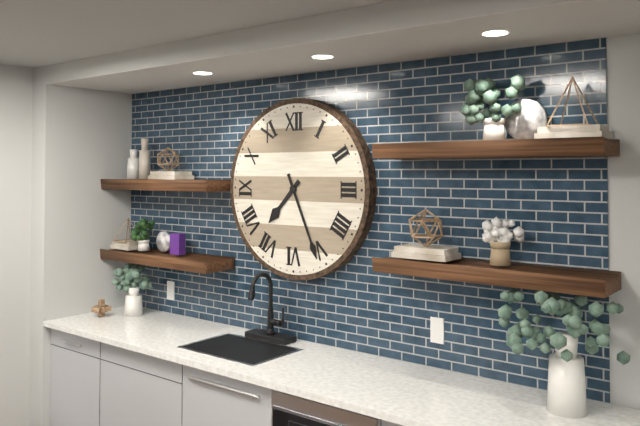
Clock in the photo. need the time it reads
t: 7:26
